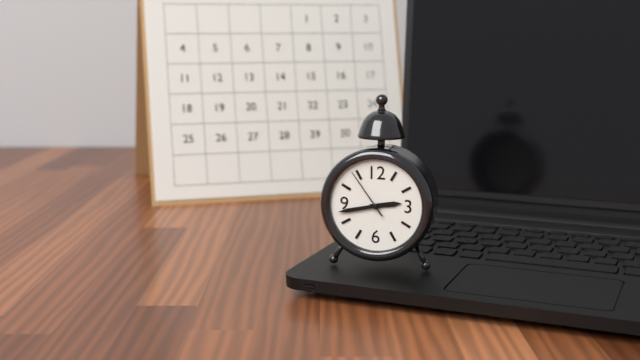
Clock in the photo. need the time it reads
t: 2:43:54
